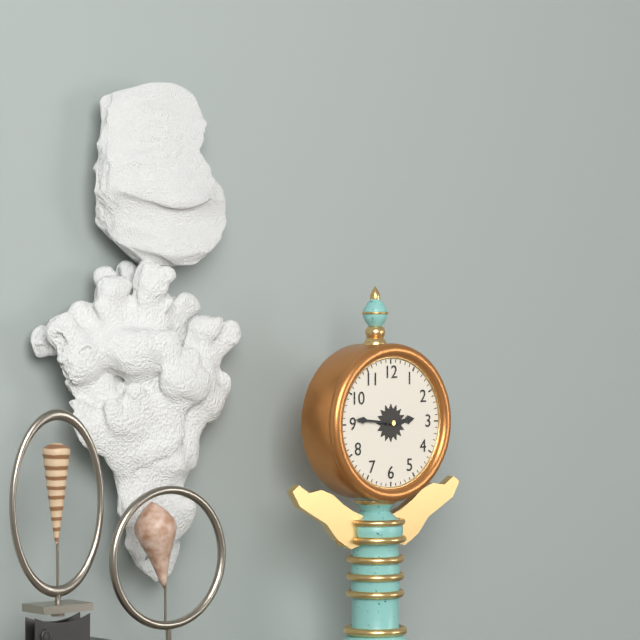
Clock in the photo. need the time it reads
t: 2:46
